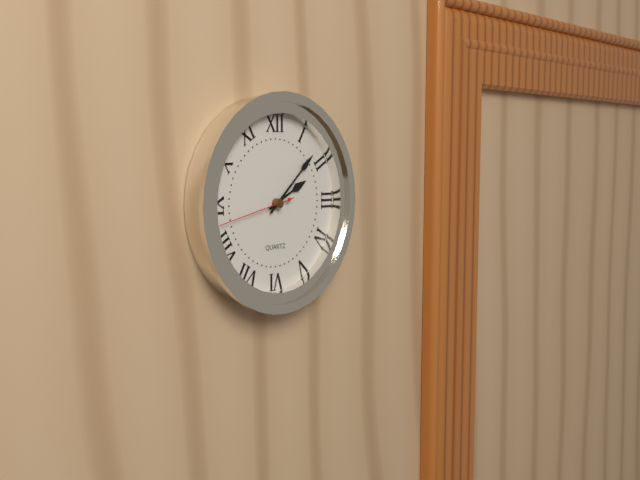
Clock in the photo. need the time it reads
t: 2:08:43
